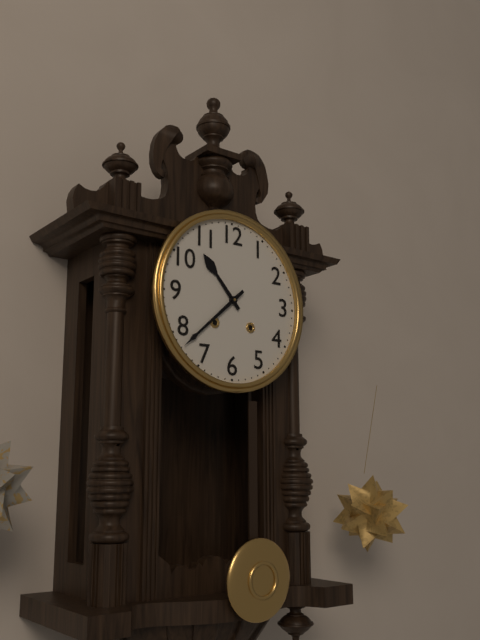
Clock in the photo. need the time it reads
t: 10:38
